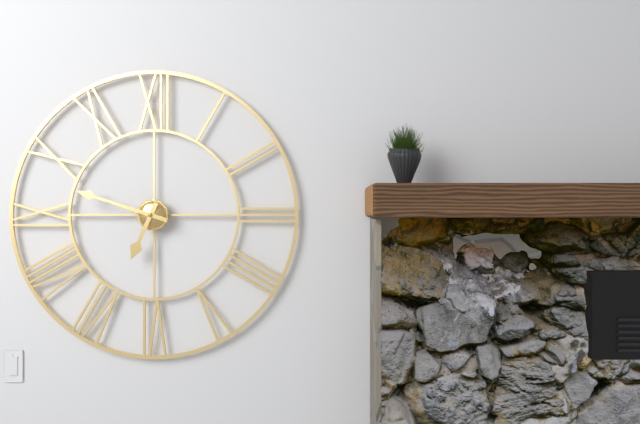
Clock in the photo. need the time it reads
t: 6:48
